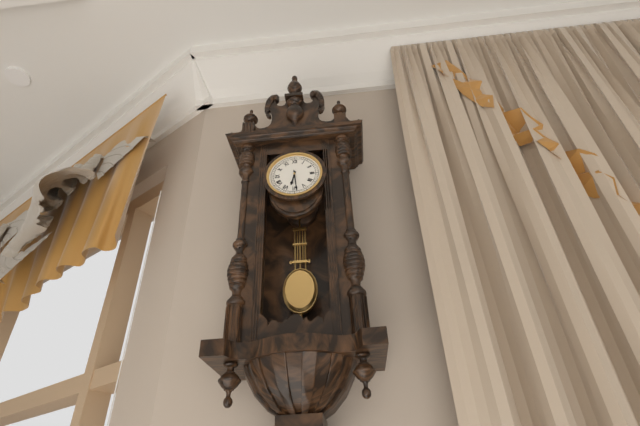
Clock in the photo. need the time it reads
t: 6:29
